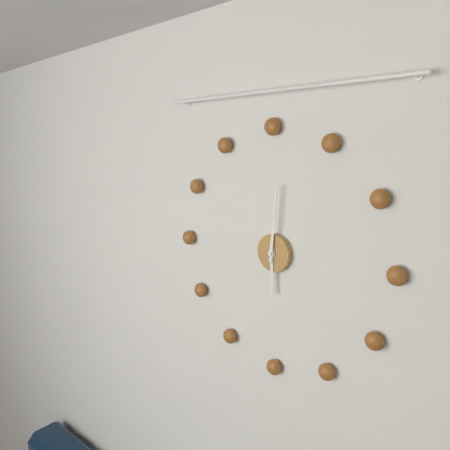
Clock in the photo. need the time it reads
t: 6:01
